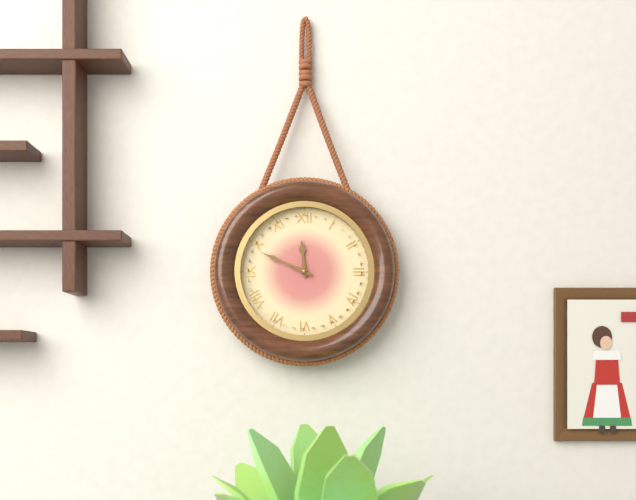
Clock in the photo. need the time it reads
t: 11:49
